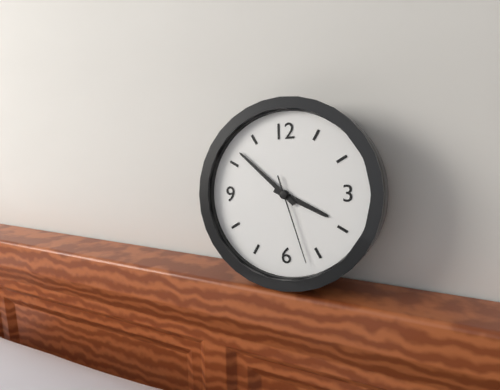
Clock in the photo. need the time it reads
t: 3:52:27
